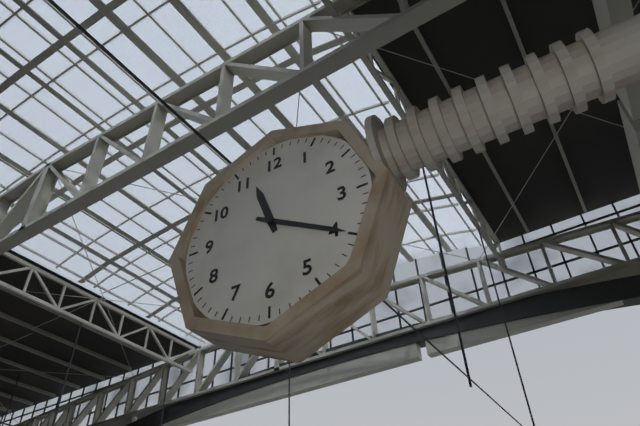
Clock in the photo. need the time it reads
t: 11:20
